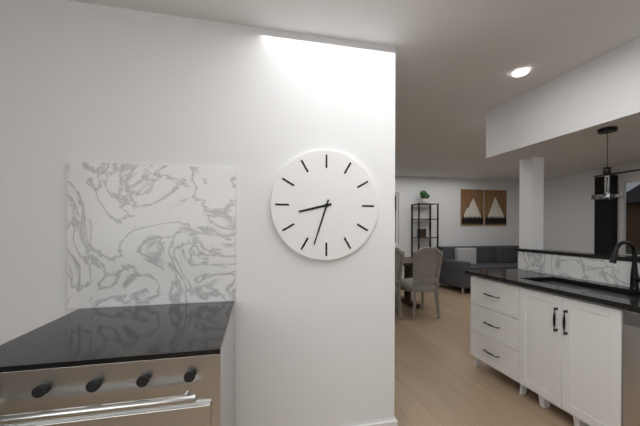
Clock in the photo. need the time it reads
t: 8:33
